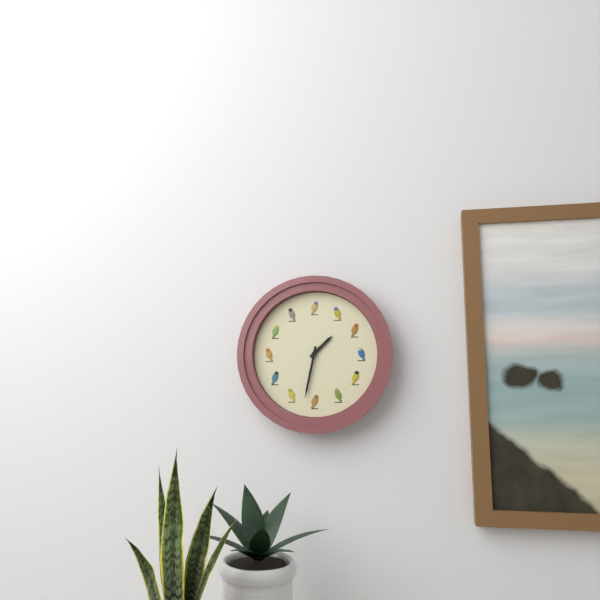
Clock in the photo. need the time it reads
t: 1:32
